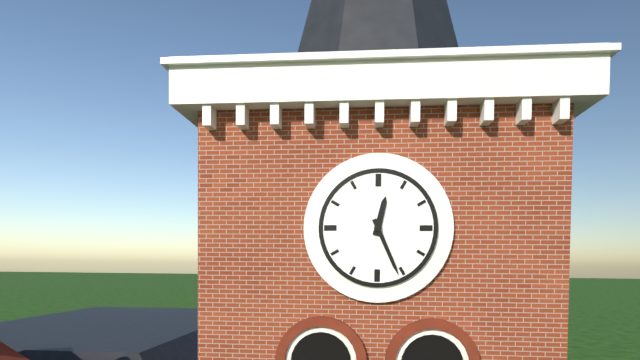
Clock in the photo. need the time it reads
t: 12:26
